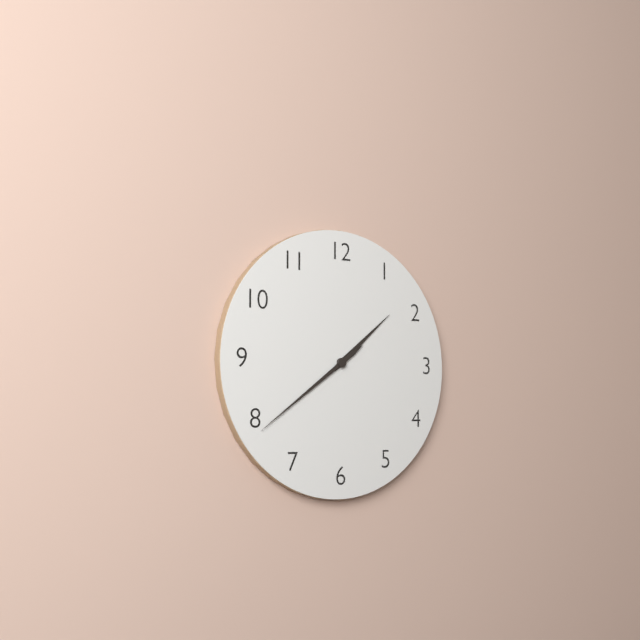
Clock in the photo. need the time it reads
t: 1:39
